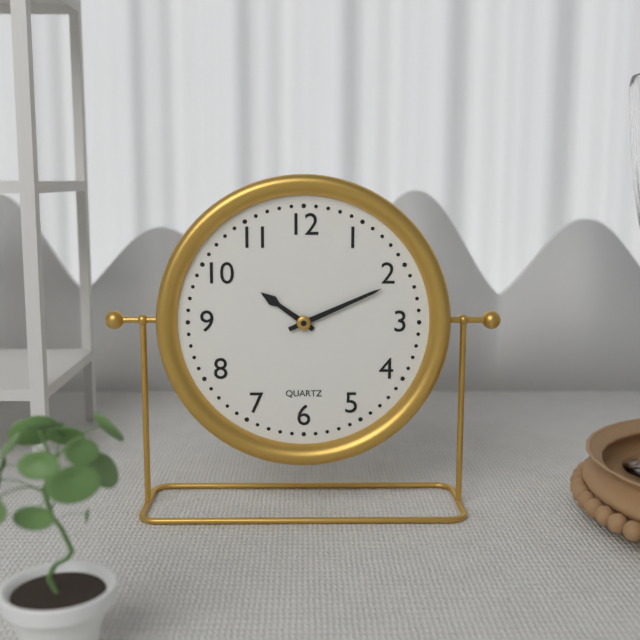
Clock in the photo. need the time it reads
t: 10:11
